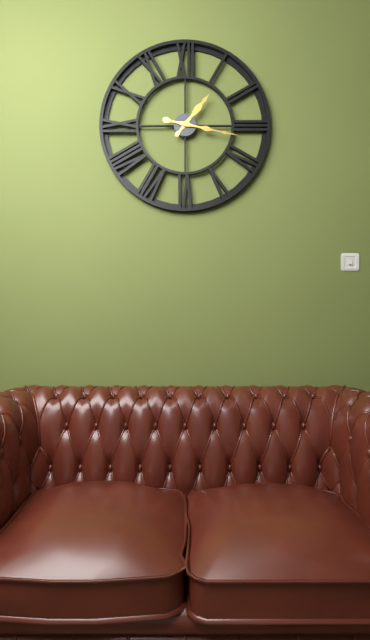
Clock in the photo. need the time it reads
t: 1:17
